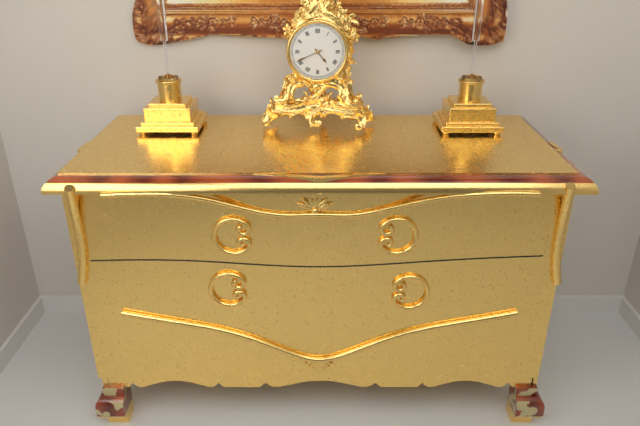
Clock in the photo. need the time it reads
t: 4:41
